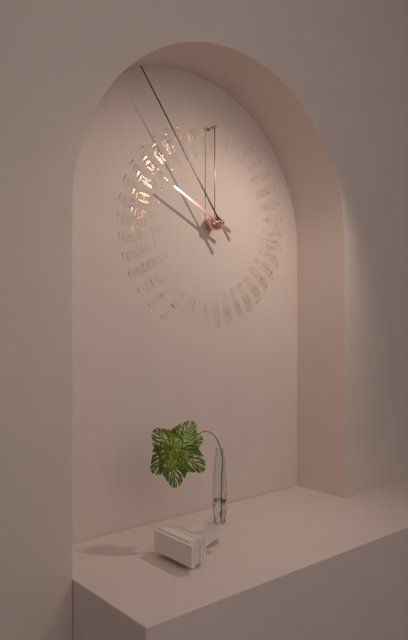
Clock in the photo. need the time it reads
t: 9:54
